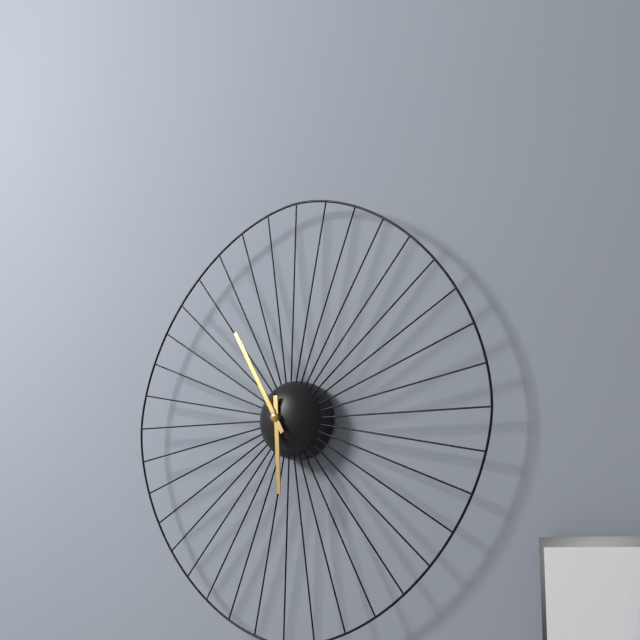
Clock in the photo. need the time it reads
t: 5:55
